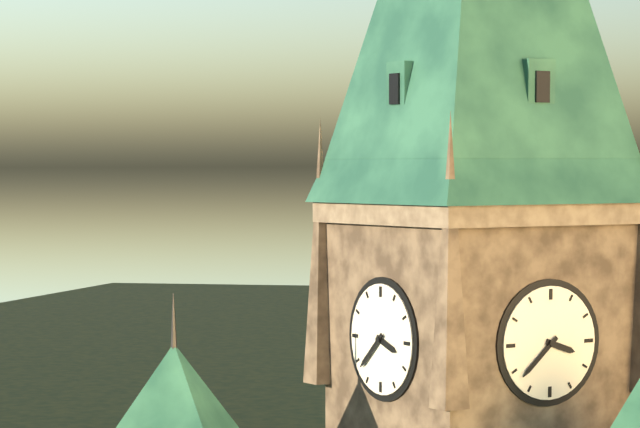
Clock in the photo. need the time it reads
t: 3:38
